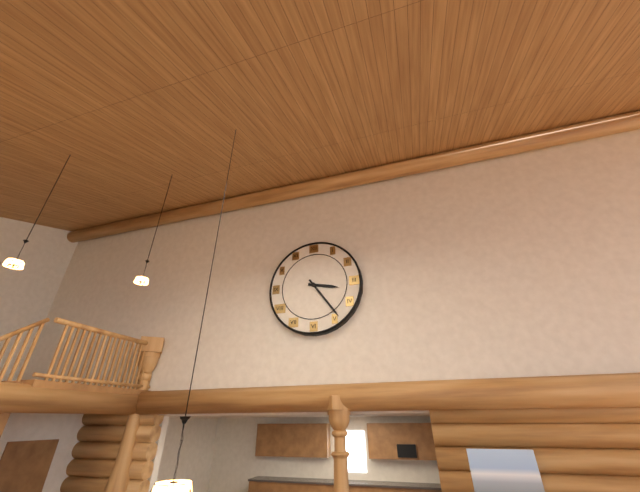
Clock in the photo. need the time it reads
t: 3:24
